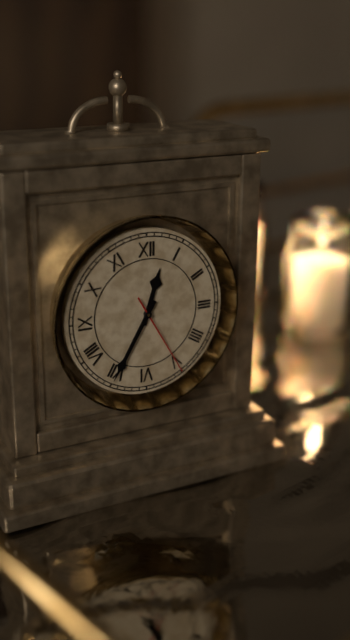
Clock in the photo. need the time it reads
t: 12:35:25
